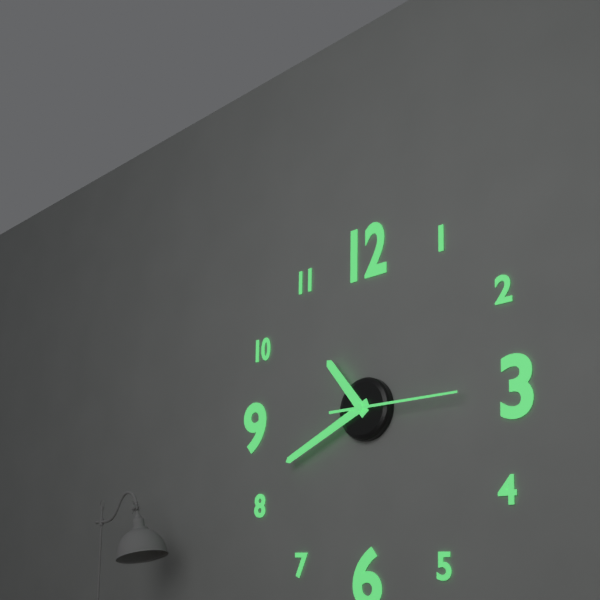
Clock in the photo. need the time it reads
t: 10:41:15
